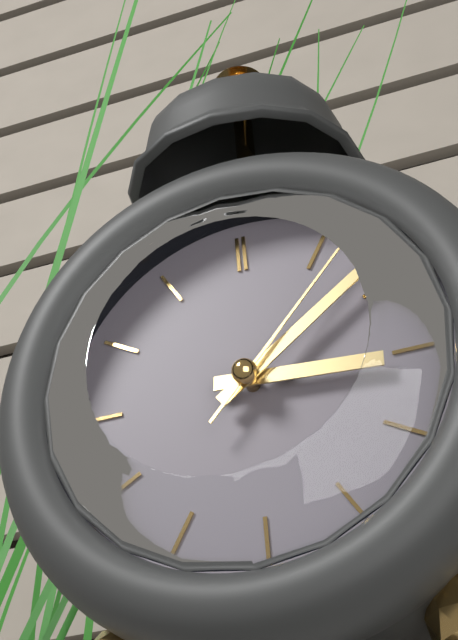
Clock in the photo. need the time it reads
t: 3:09:07
